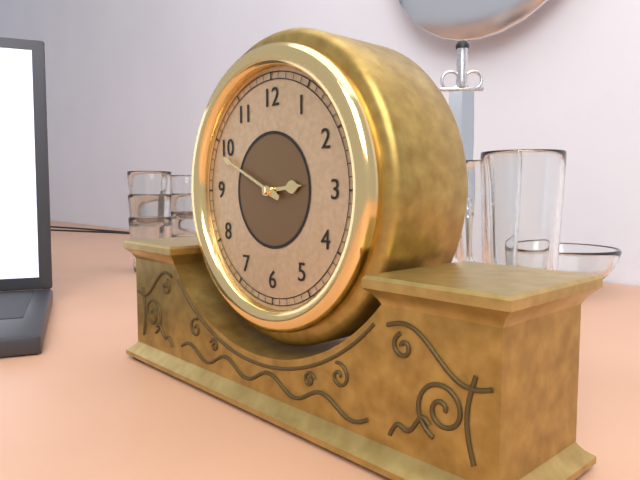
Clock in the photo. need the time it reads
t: 2:49
